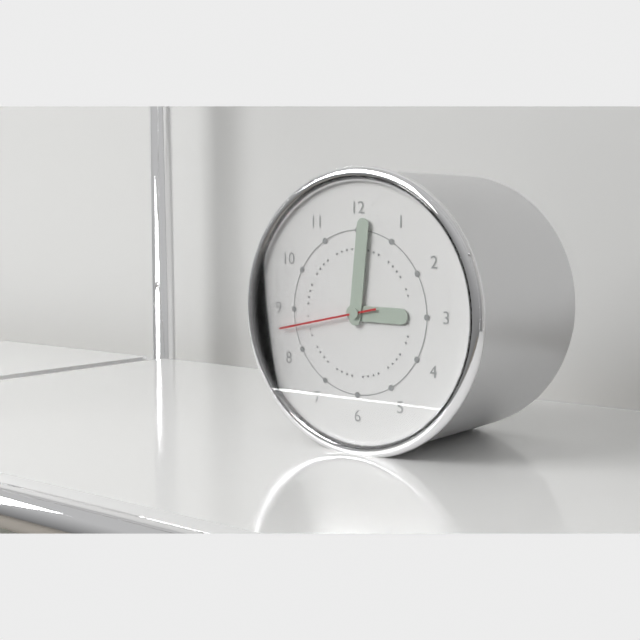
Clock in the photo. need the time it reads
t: 3:01:43
